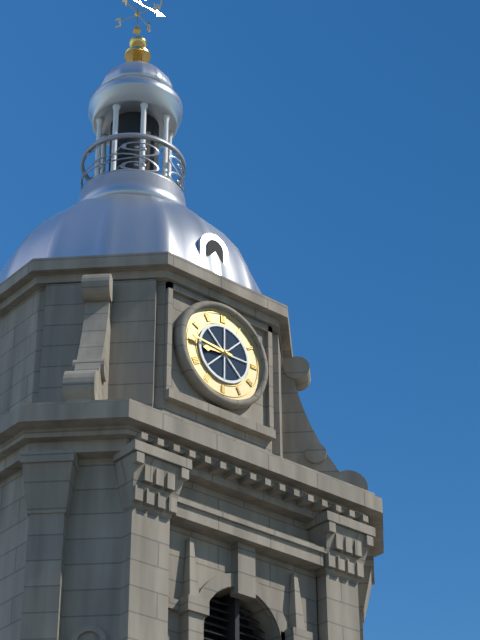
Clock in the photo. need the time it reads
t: 8:46
